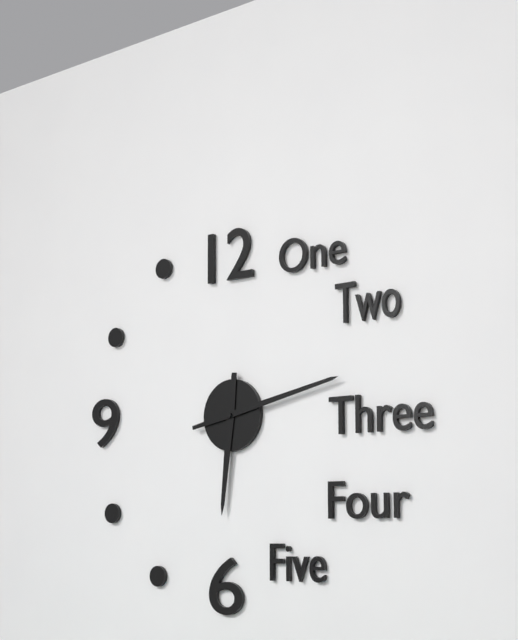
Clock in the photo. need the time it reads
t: 6:13
